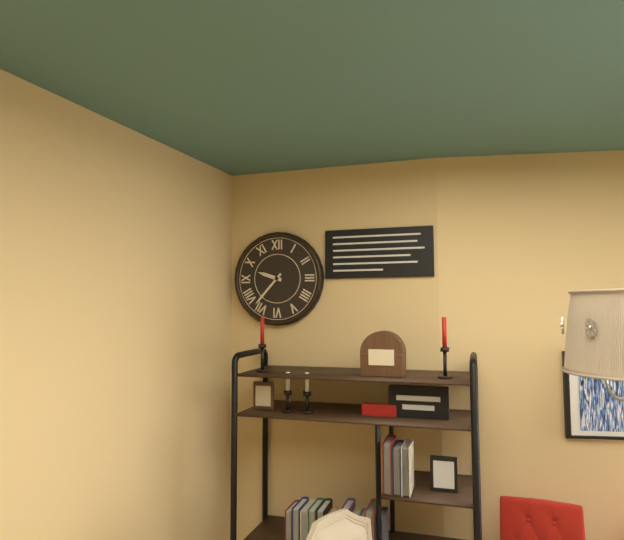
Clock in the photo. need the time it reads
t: 9:37
